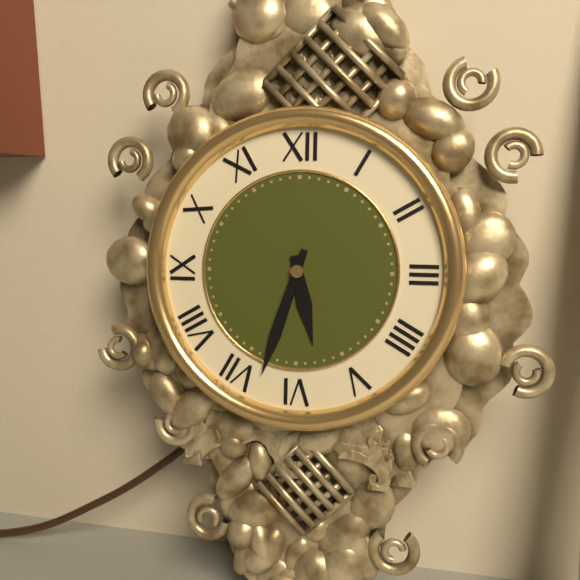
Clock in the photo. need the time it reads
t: 5:33
